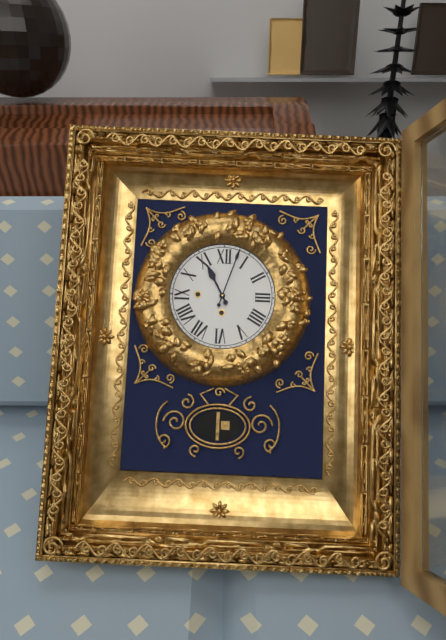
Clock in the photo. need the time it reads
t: 11:03
